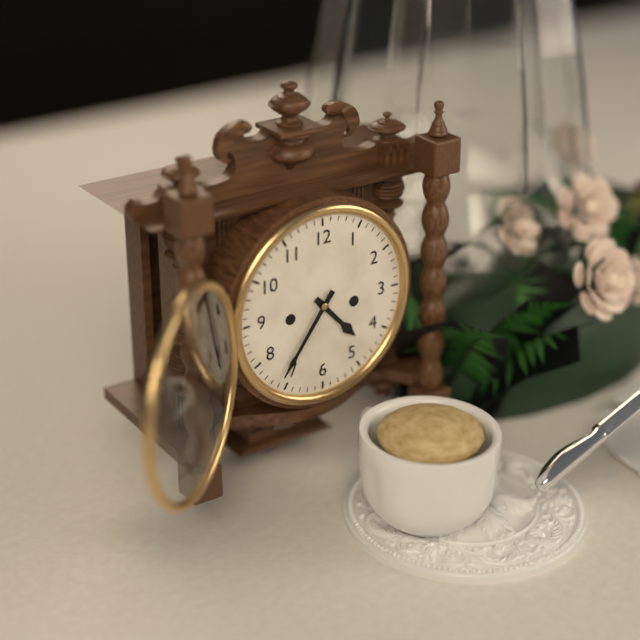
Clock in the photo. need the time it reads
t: 4:36
